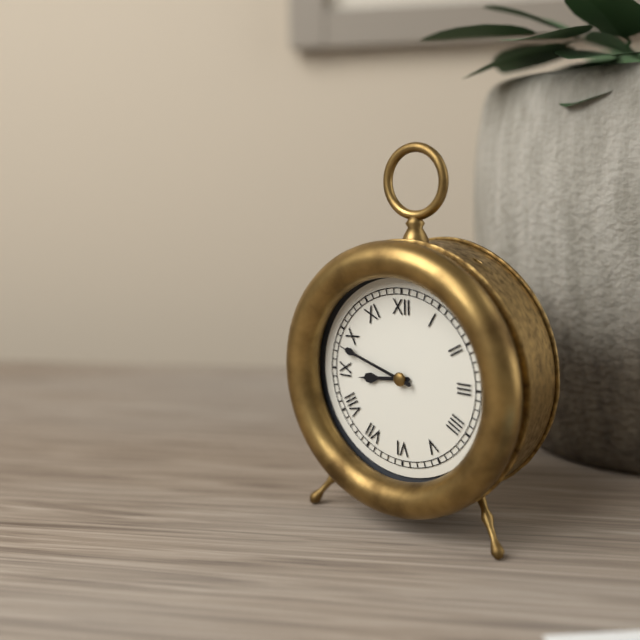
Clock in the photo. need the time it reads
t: 8:48
